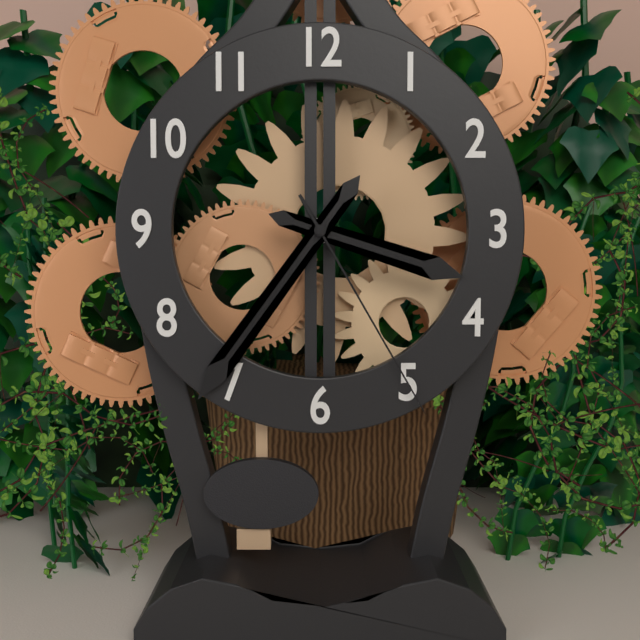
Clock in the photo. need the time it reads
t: 3:36:25
